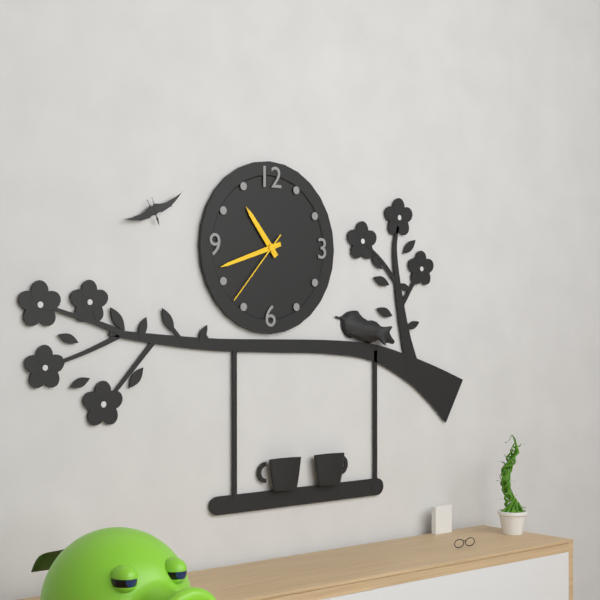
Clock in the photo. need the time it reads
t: 10:42:37
